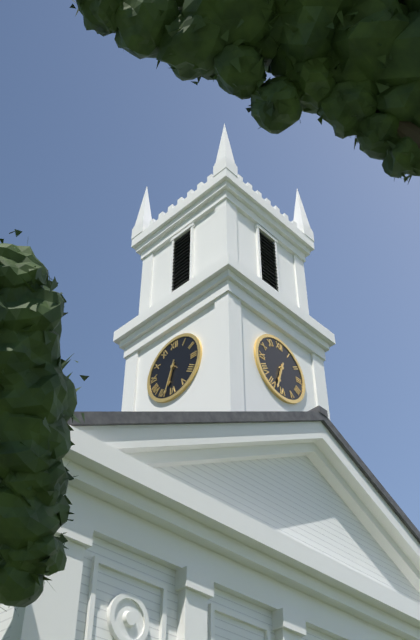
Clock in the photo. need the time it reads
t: 6:33
